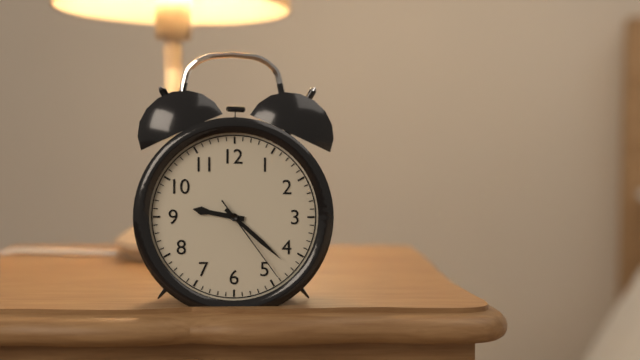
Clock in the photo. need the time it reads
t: 9:22:24
